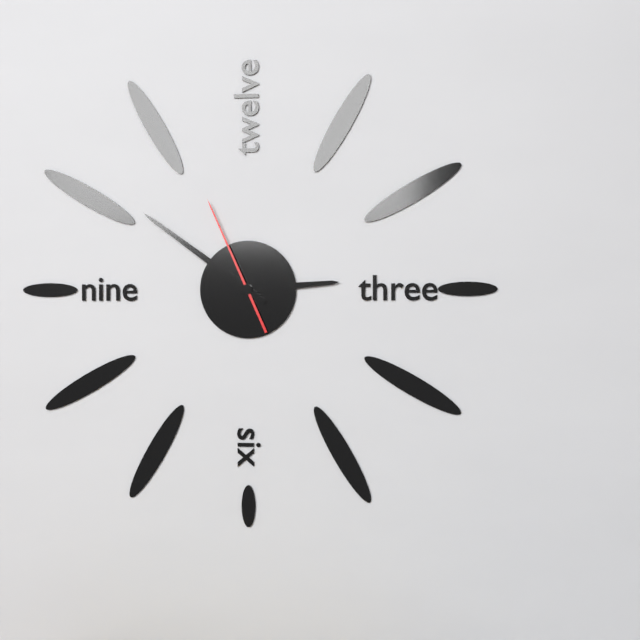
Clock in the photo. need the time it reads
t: 2:51:56
